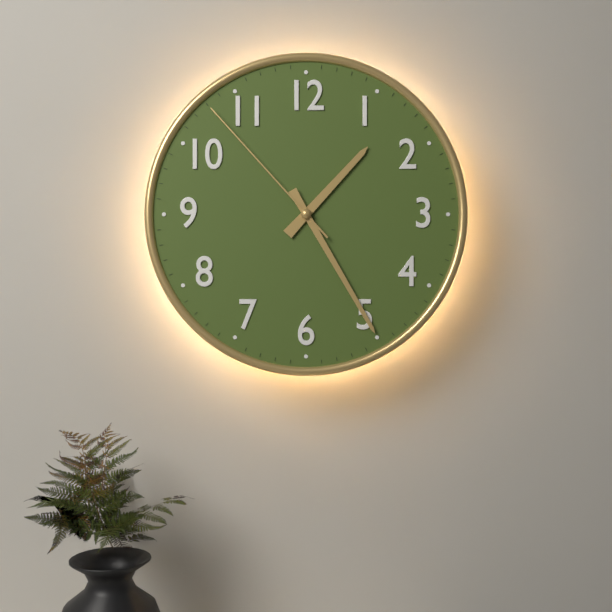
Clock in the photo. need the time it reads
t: 1:25:53
